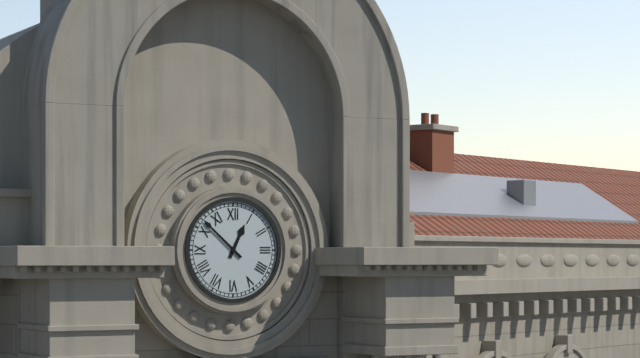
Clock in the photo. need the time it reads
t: 12:52
